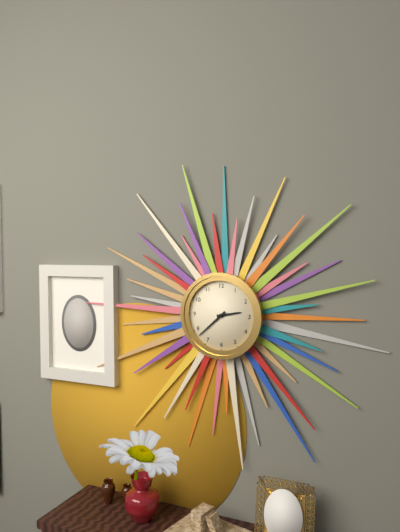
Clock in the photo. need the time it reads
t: 2:38
